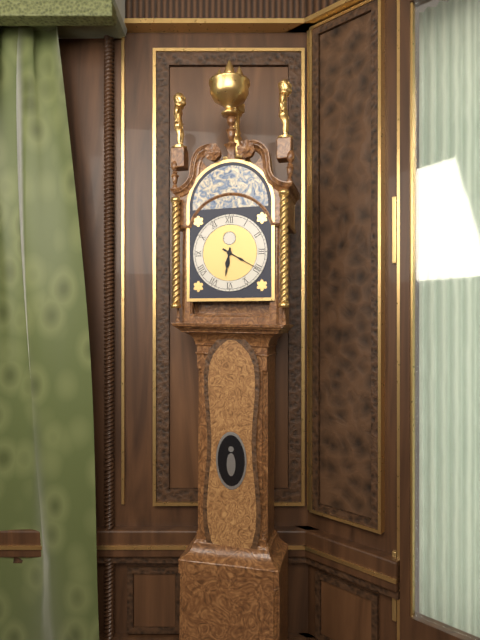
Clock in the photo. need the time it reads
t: 6:20
